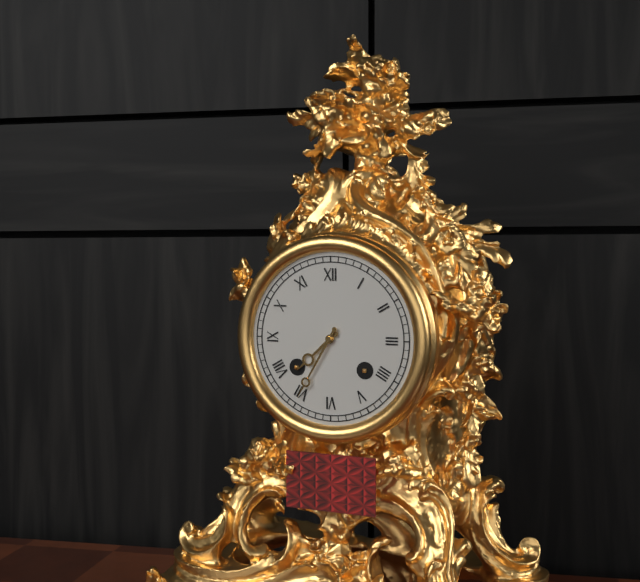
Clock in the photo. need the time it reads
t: 7:35
